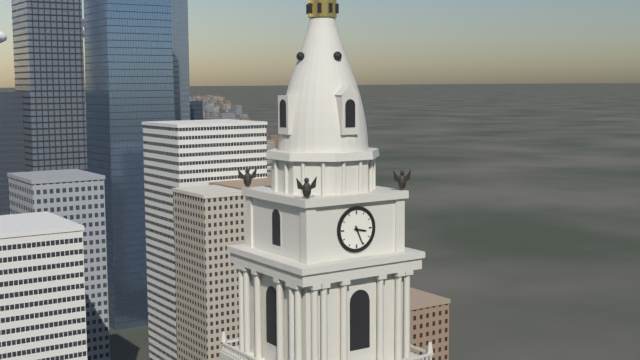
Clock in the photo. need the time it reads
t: 3:26
